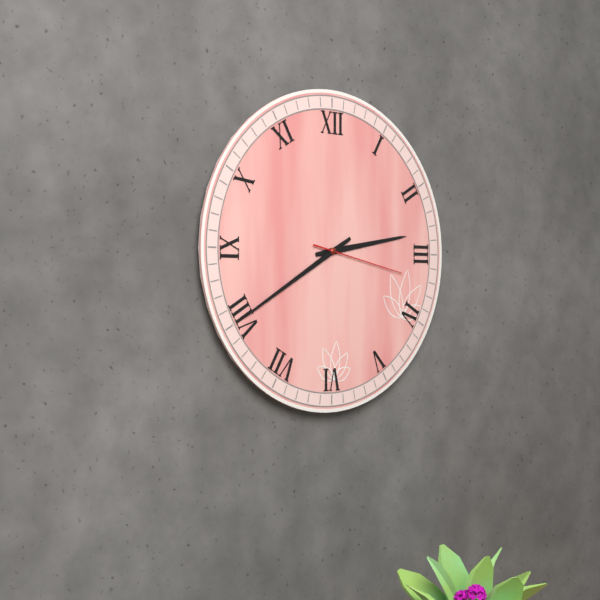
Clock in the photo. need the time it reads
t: 2:40:17
